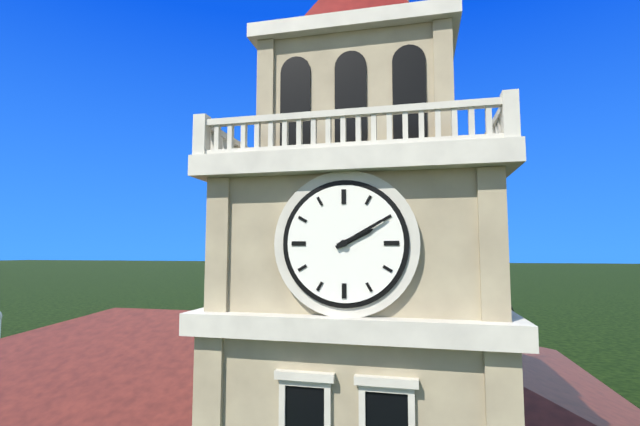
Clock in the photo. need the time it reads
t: 2:10
